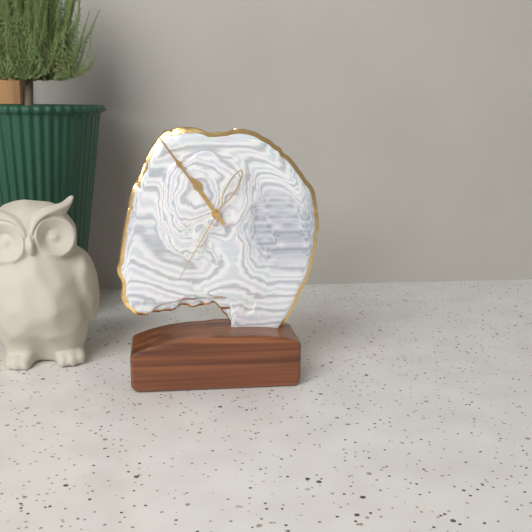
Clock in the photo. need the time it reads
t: 10:54:35
